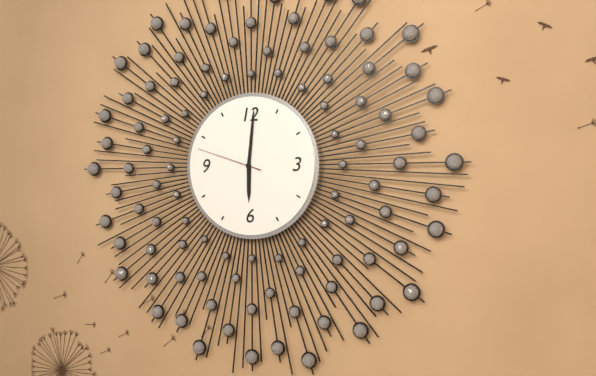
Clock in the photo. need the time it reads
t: 6:01:48
